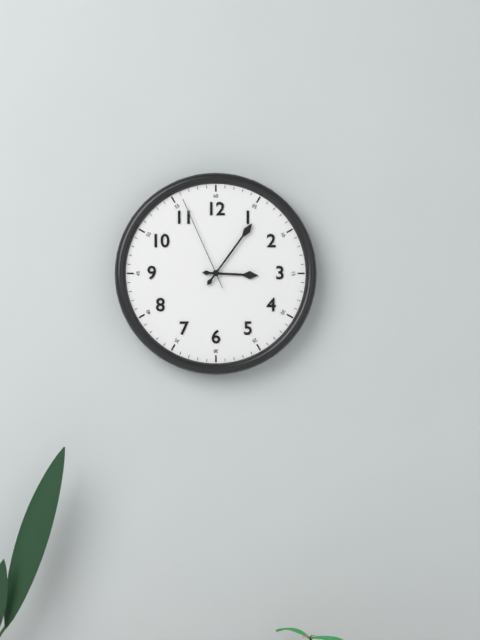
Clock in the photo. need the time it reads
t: 3:06:56
